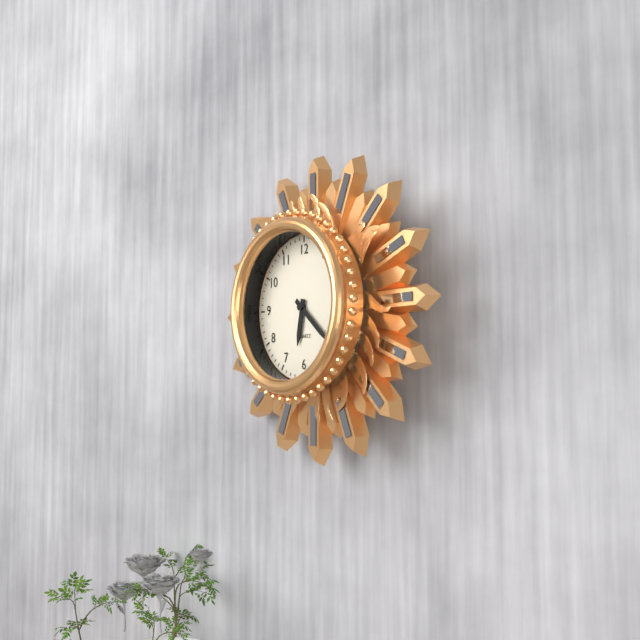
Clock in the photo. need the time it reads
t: 6:22
